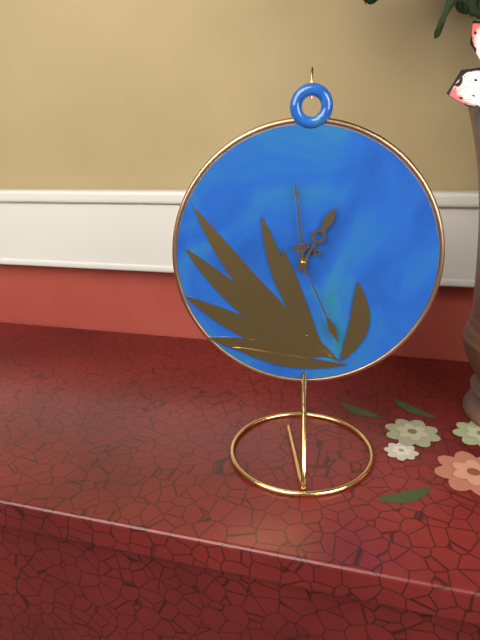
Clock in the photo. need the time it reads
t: 12:59:26
